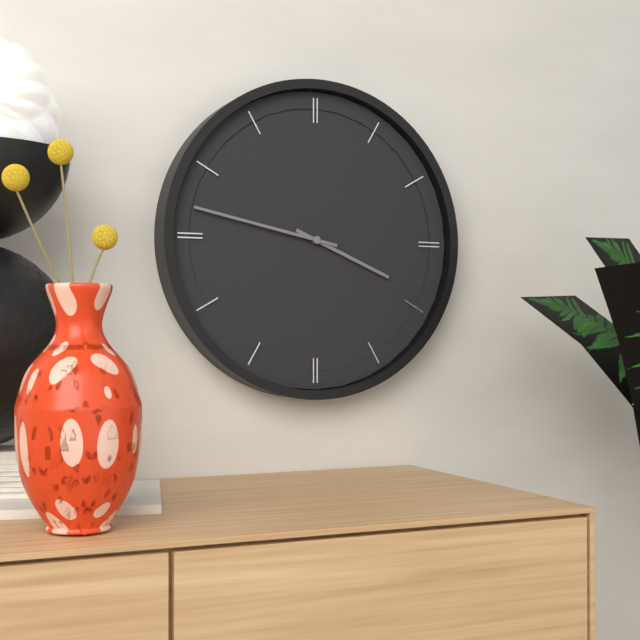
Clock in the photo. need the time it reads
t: 3:47
